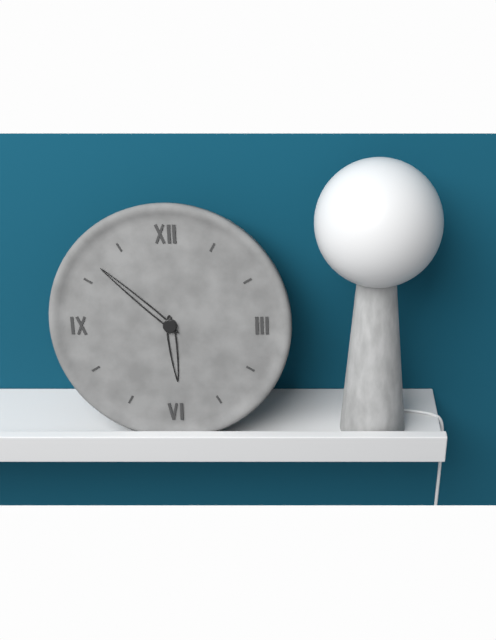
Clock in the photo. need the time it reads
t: 5:52
